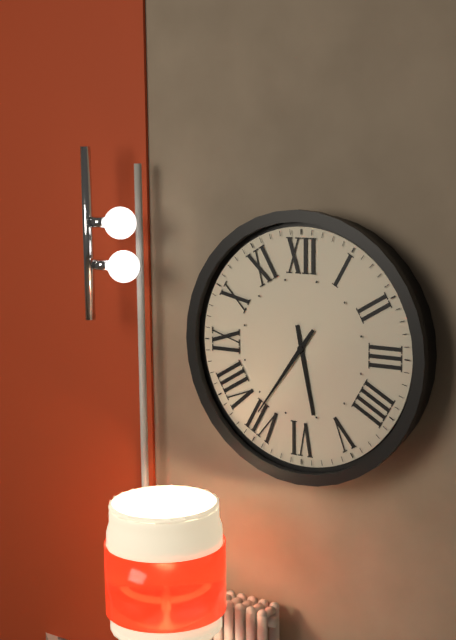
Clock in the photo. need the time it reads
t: 5:36
